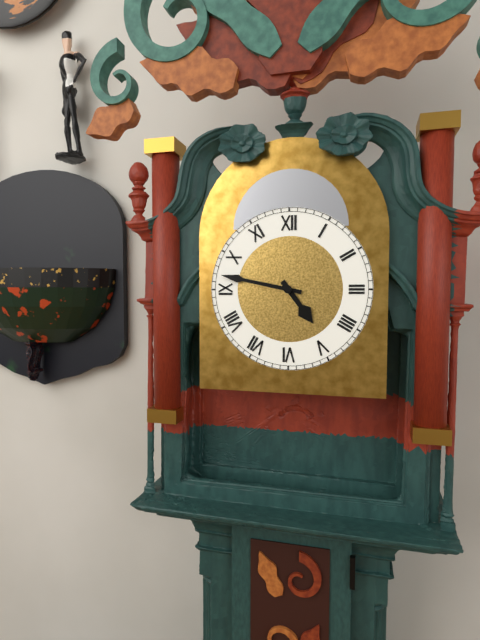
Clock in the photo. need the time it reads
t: 4:47
